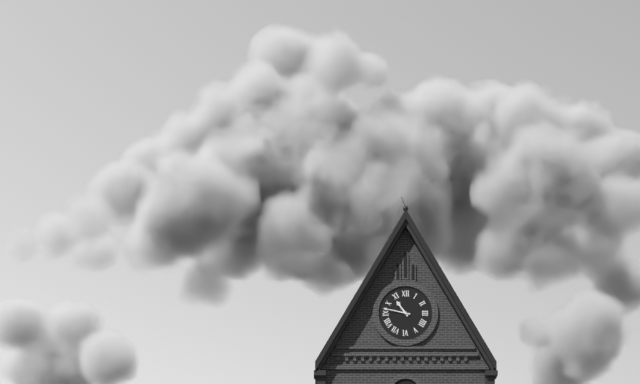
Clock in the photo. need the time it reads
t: 10:47
